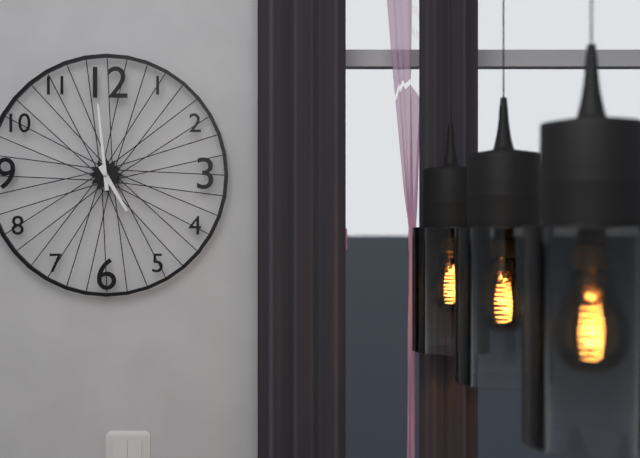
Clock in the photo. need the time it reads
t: 4:59
